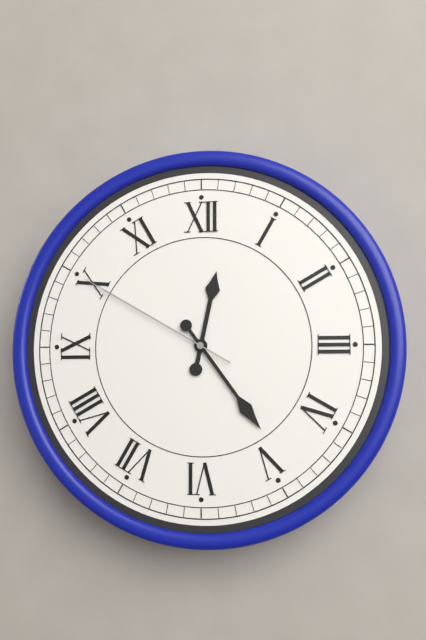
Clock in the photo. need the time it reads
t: 12:24:50
